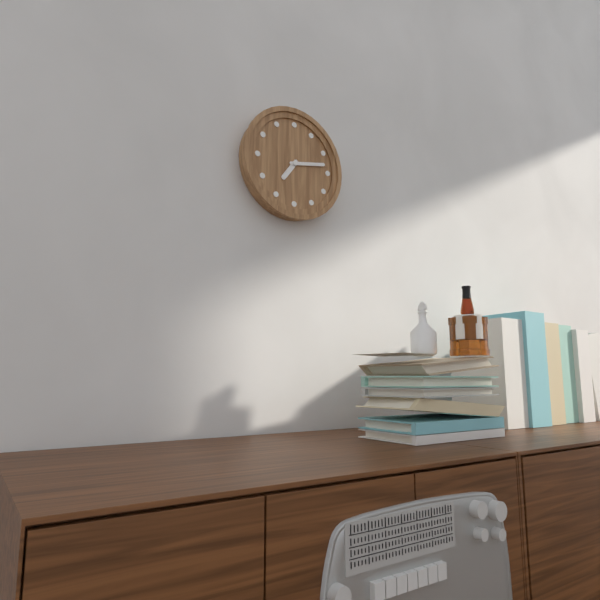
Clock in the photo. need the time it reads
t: 7:13
